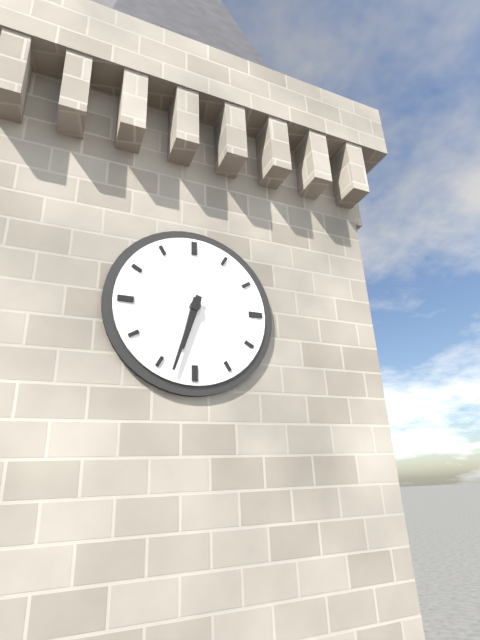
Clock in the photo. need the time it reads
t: 6:33
